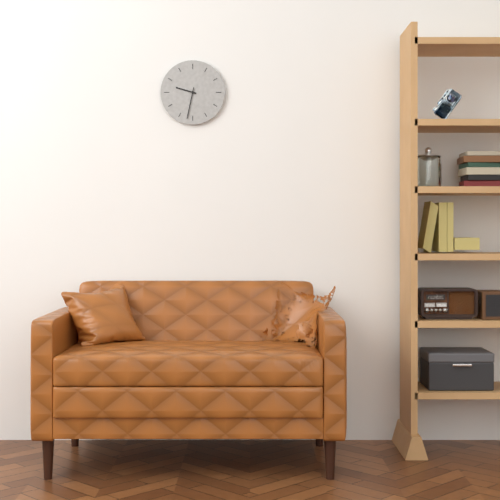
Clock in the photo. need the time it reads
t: 9:32
